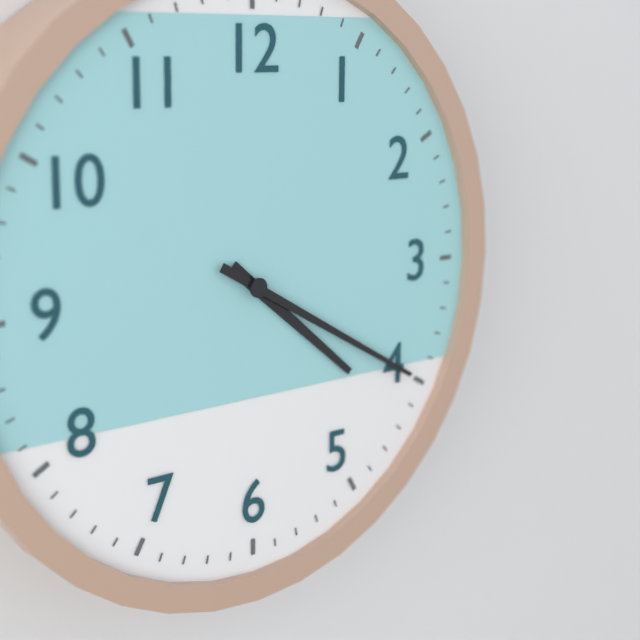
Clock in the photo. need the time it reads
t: 4:20
